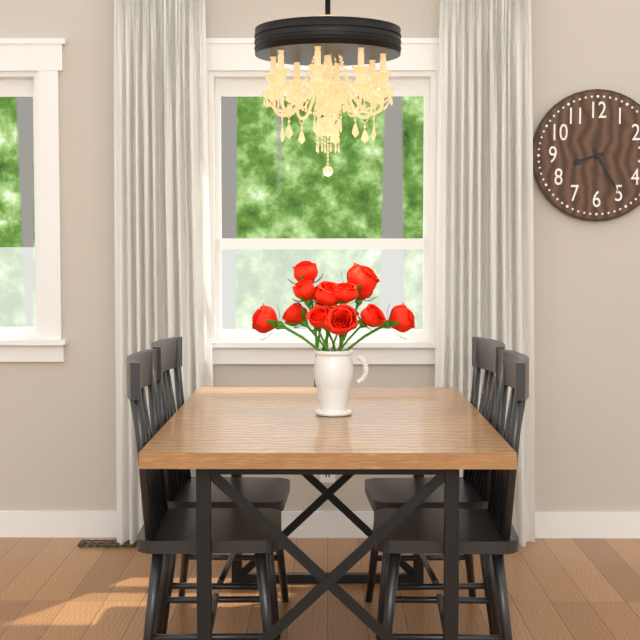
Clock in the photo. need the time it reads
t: 8:25
